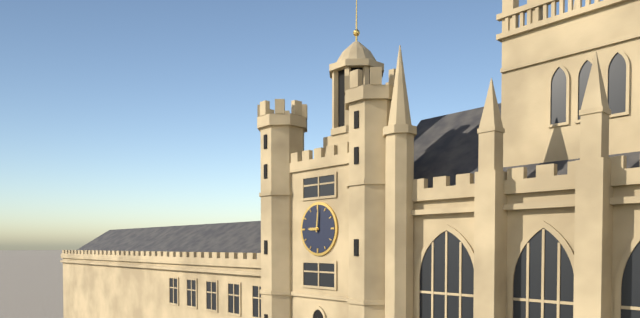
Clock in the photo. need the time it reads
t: 9:01
